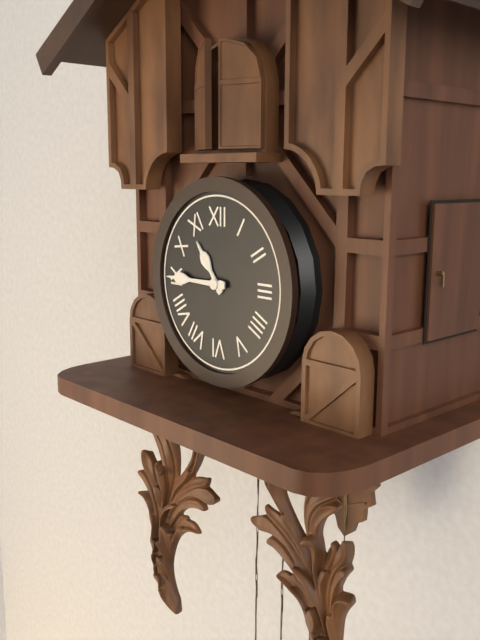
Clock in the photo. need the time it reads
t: 10:45
